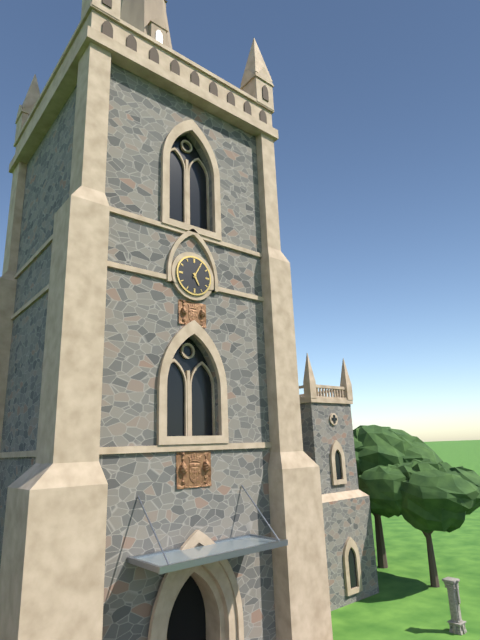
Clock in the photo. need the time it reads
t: 5:05
